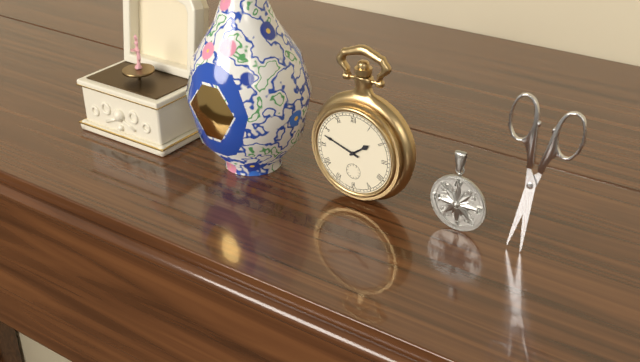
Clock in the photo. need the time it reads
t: 1:48
